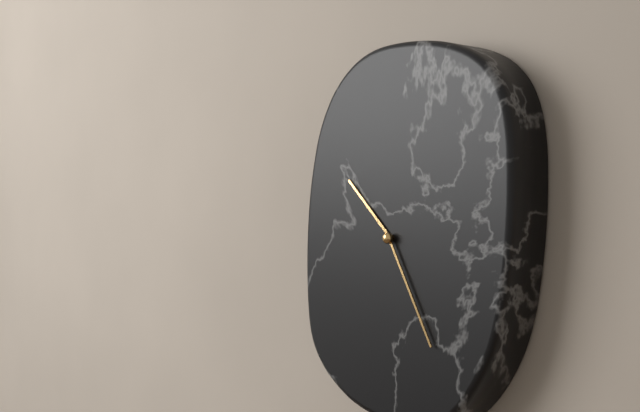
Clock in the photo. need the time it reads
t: 10:25
